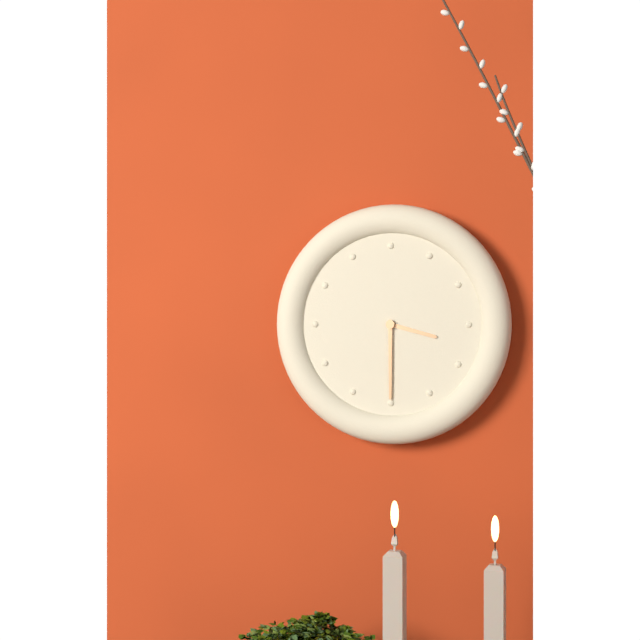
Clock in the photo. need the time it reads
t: 3:30
